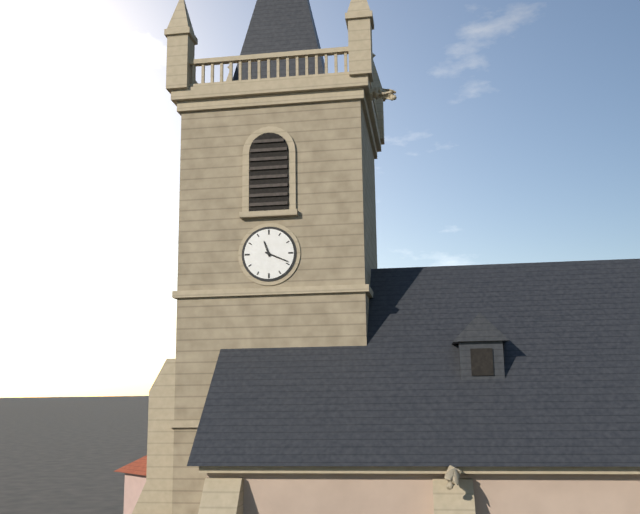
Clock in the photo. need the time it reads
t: 11:19
